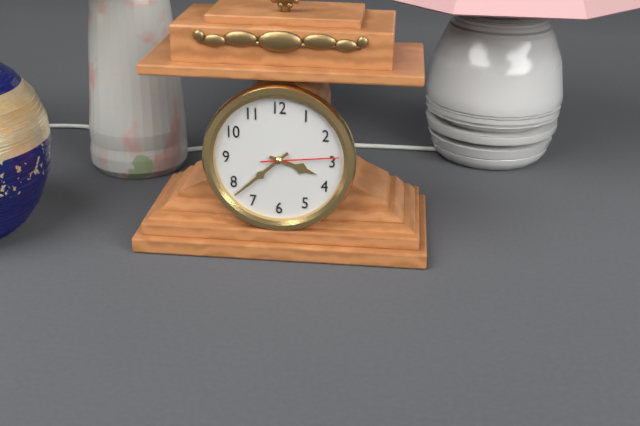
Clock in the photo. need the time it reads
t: 3:38:14
